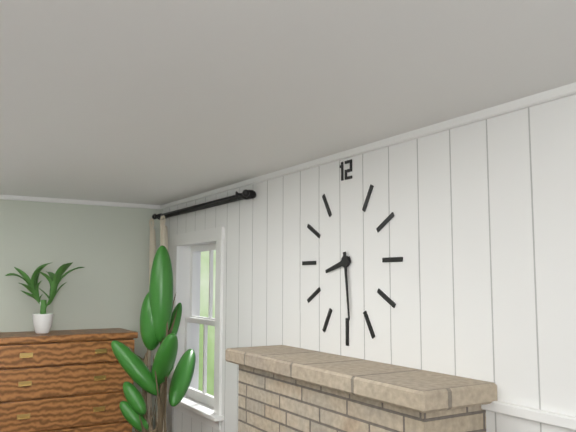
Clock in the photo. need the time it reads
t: 8:29
